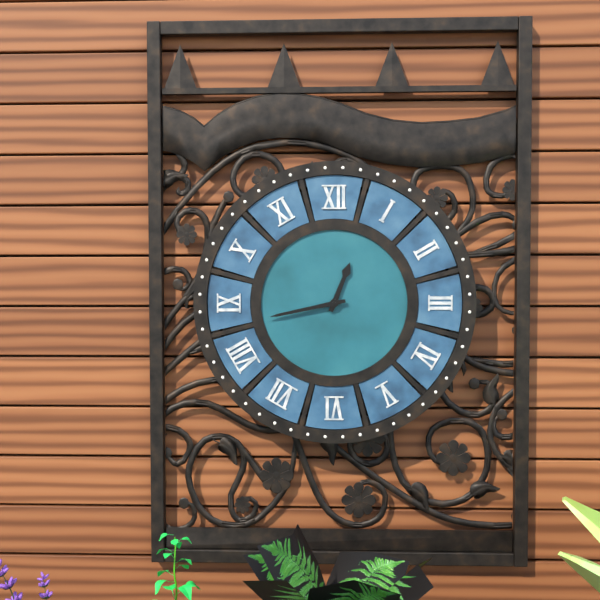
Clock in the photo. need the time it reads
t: 12:43
